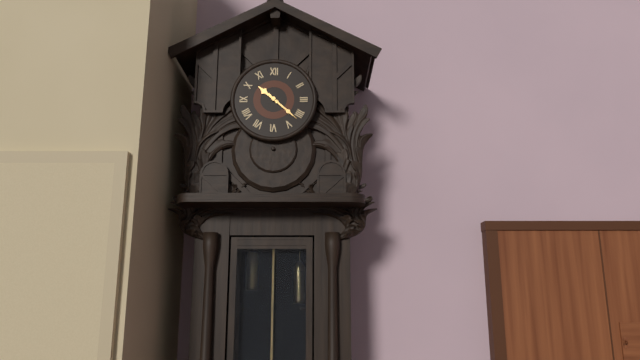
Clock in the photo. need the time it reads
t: 10:22
